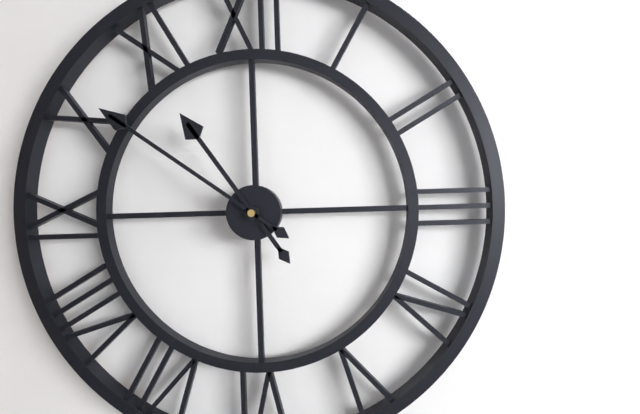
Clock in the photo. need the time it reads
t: 10:51
